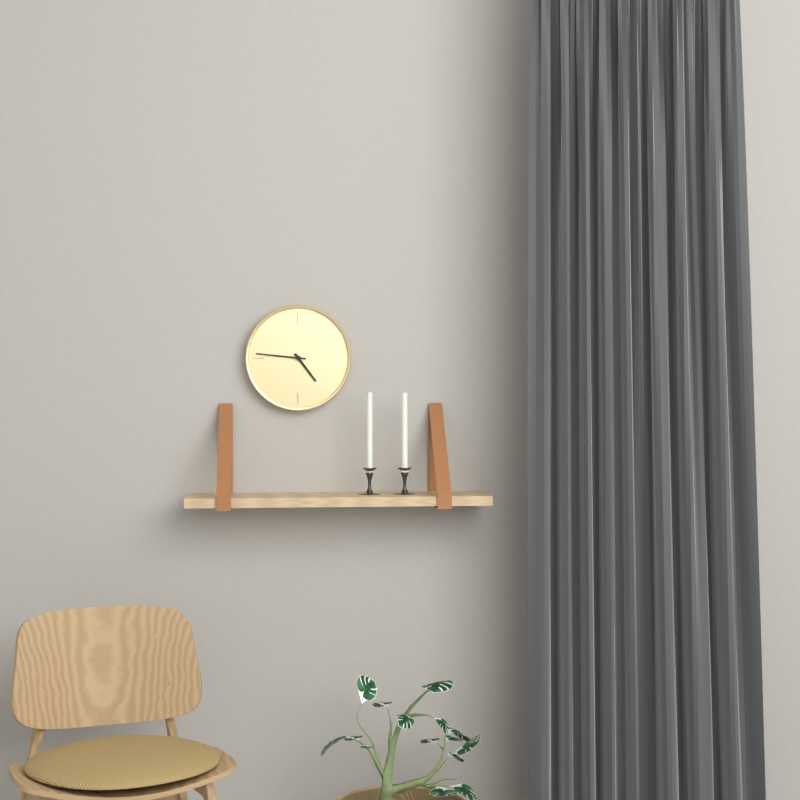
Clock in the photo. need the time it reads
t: 4:46
